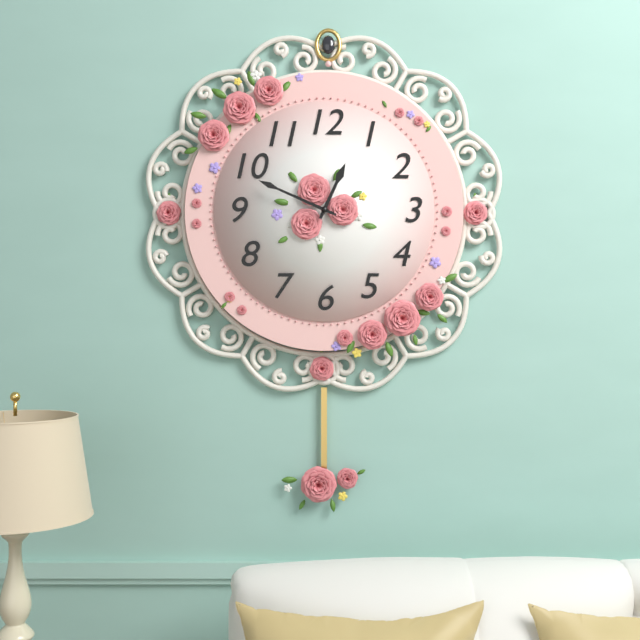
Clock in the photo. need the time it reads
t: 12:49
